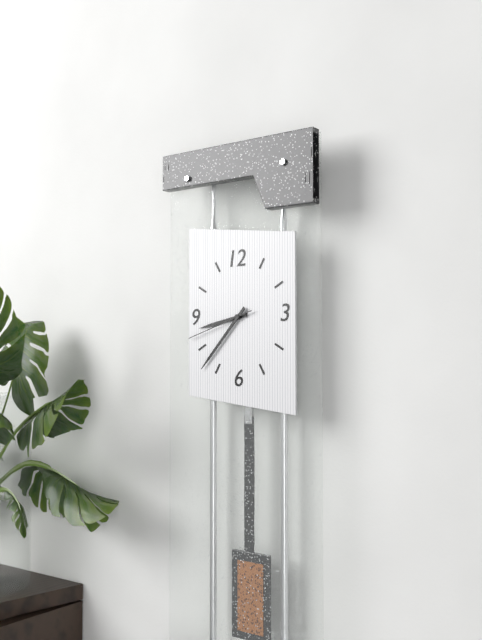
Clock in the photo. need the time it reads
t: 8:37:42
